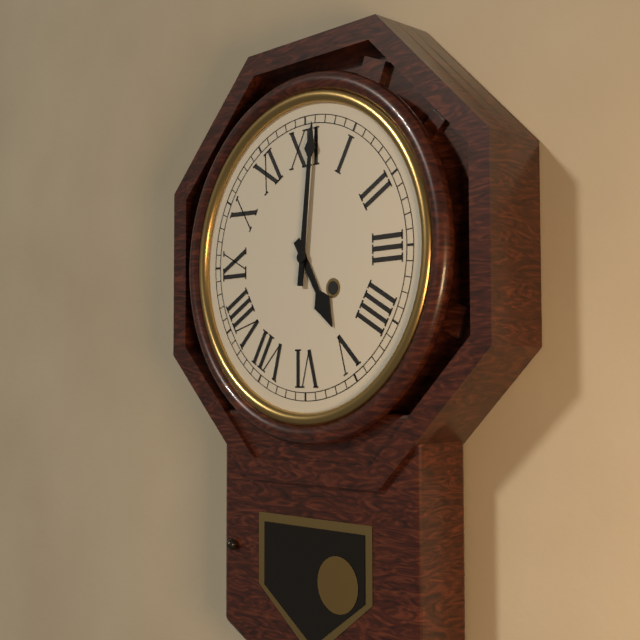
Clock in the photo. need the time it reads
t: 5:01
